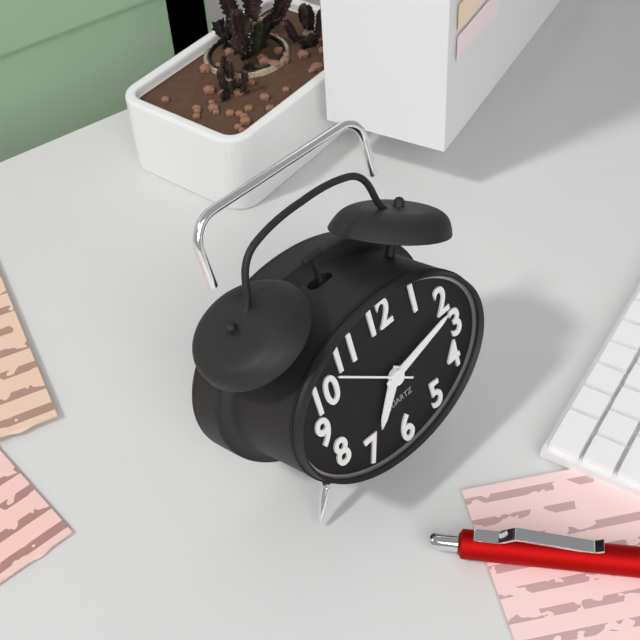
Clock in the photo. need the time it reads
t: 7:13:51
